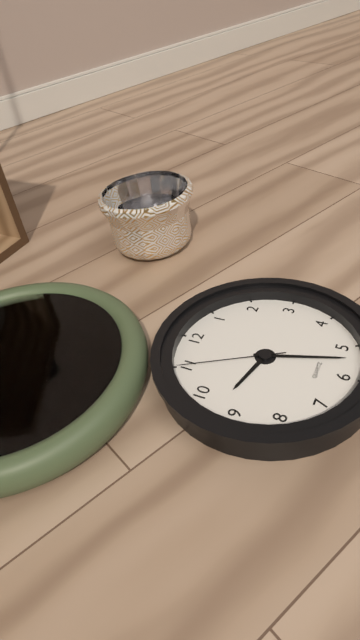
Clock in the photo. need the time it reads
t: 9:27:55
